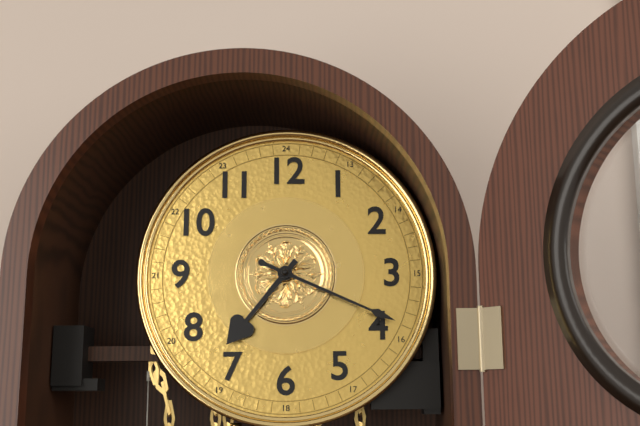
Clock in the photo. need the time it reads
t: 7:19
